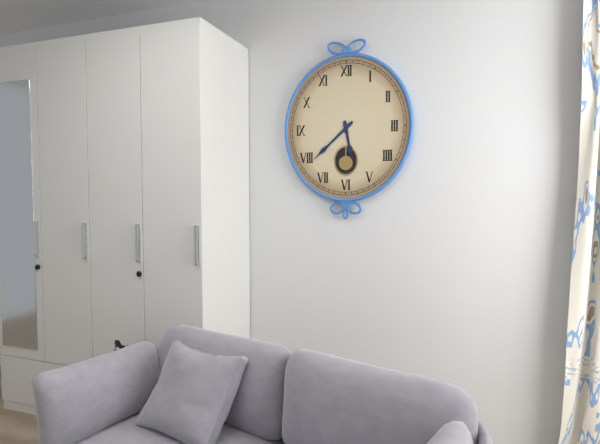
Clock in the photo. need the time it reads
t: 5:38
